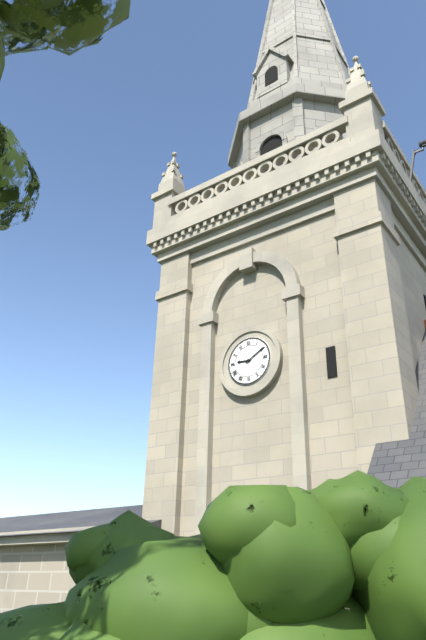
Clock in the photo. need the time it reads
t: 9:10
